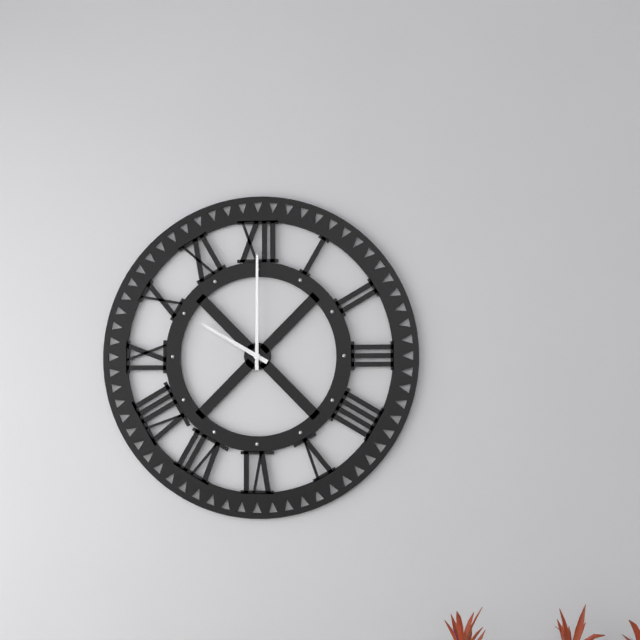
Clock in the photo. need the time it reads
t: 10:00
